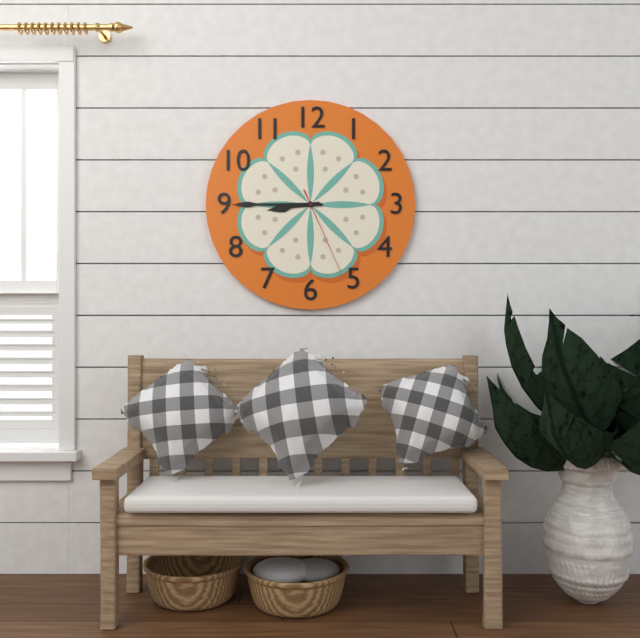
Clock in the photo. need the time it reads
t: 8:45:26
